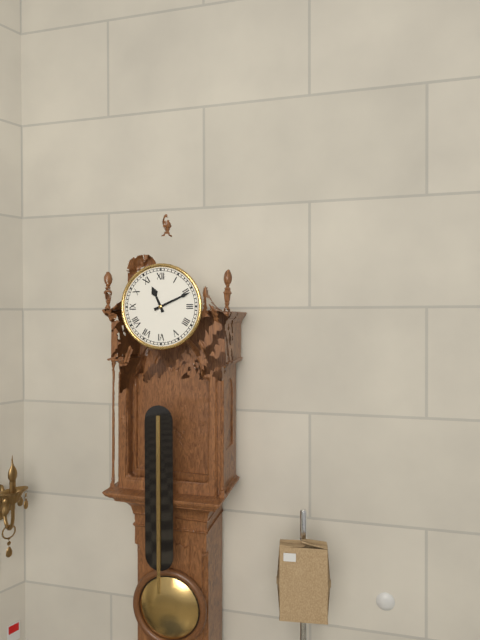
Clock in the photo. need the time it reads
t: 11:11
